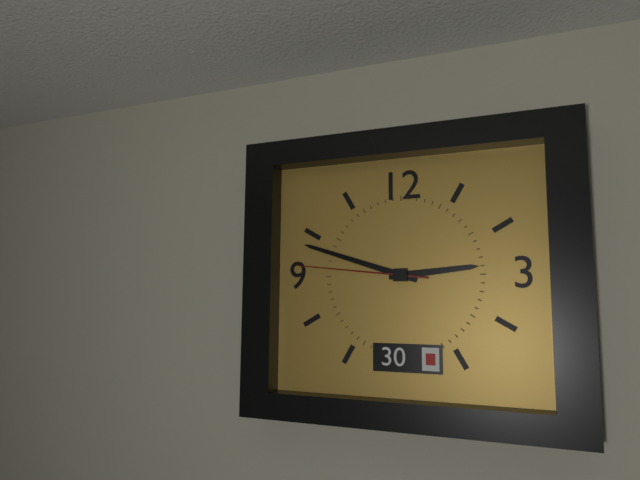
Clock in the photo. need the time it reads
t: 2:48:46
